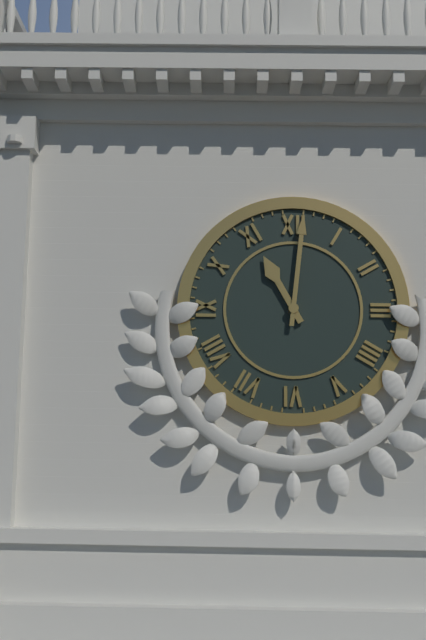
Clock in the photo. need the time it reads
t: 11:01
